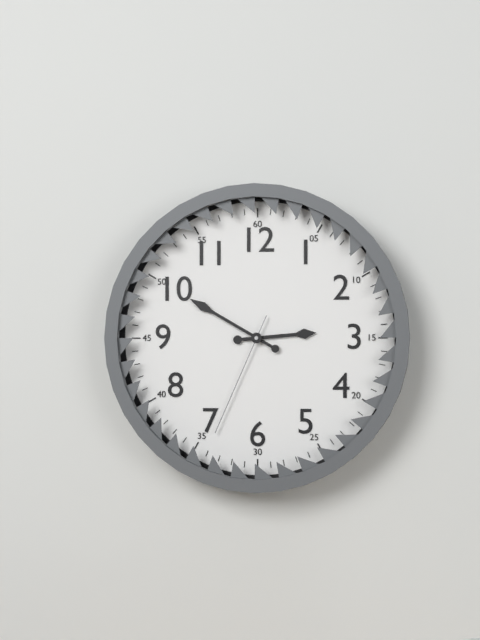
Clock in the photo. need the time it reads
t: 2:50:34
